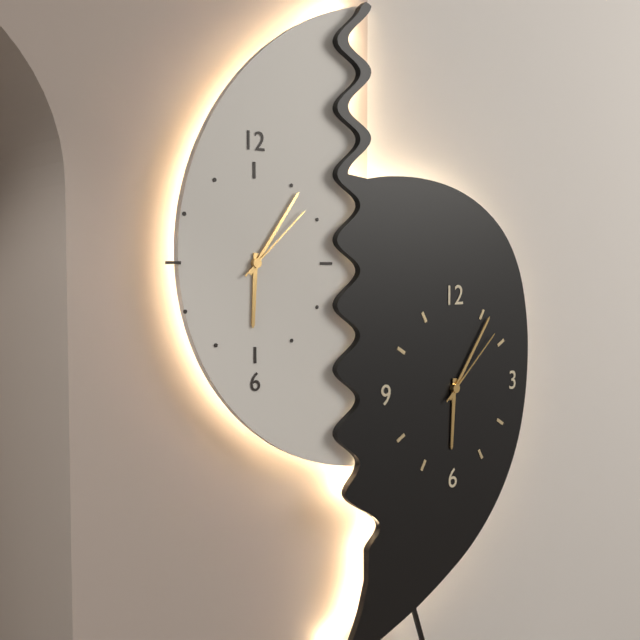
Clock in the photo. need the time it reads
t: 6:06:08
